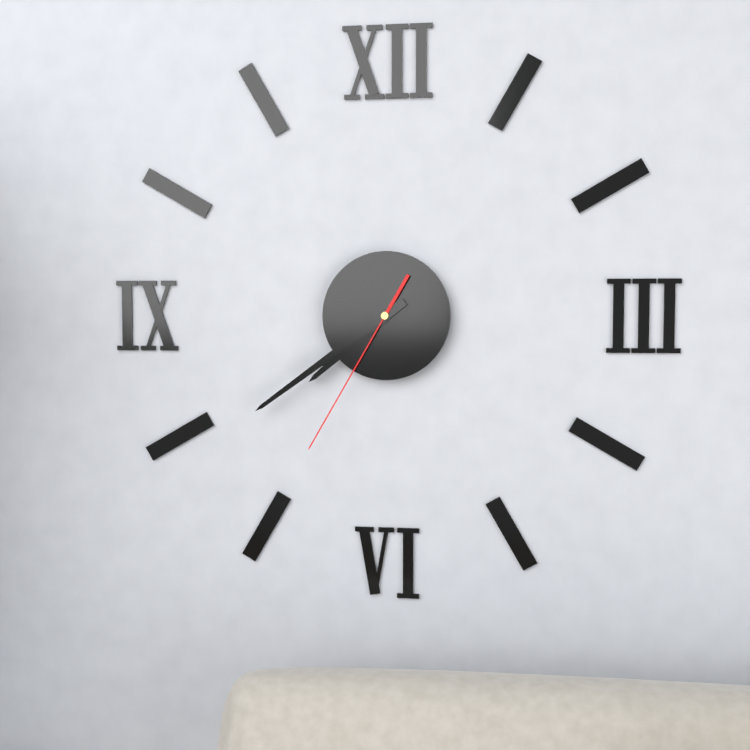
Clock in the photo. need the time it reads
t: 7:39:35
